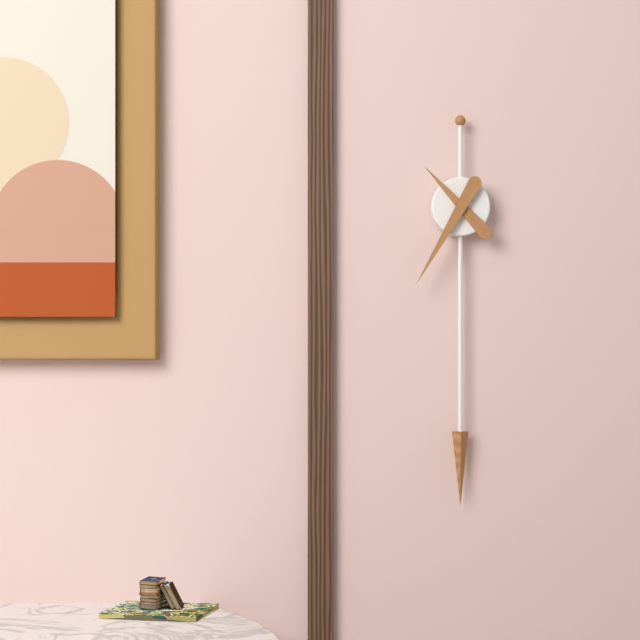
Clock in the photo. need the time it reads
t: 10:35
